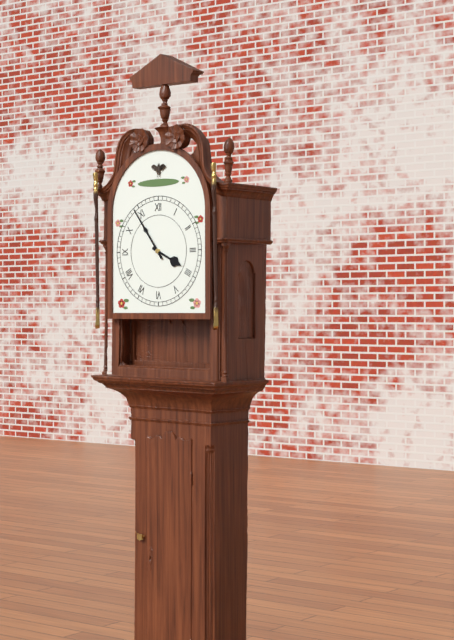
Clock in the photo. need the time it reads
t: 3:54
